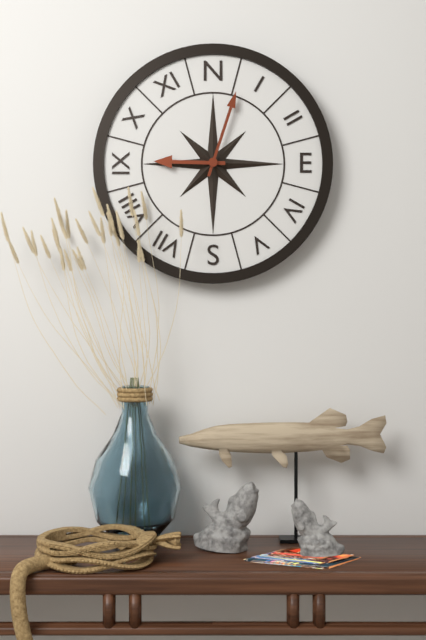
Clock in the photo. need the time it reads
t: 9:03
